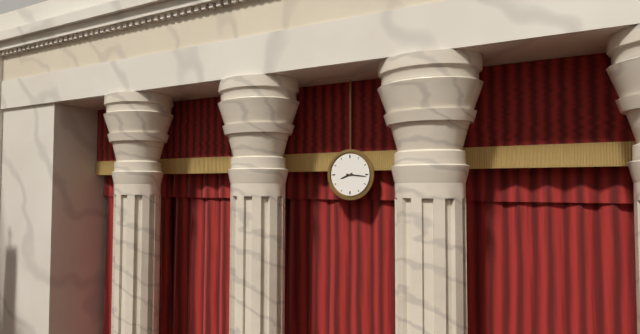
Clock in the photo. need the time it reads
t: 8:16
